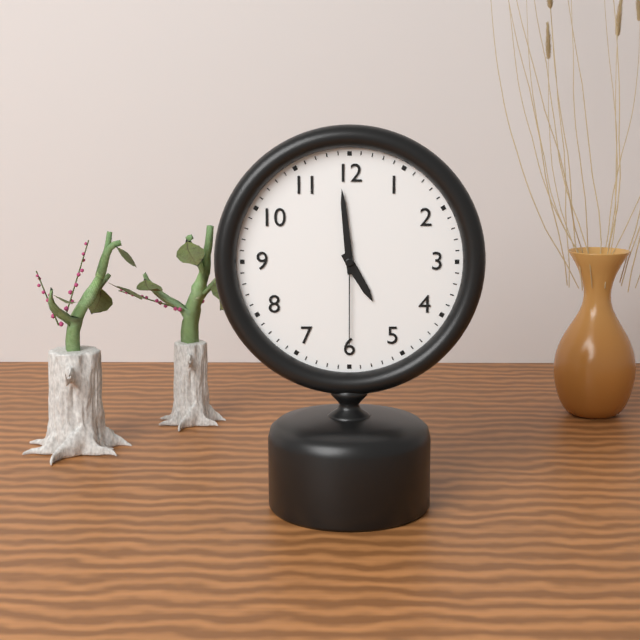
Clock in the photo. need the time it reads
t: 4:59:30
